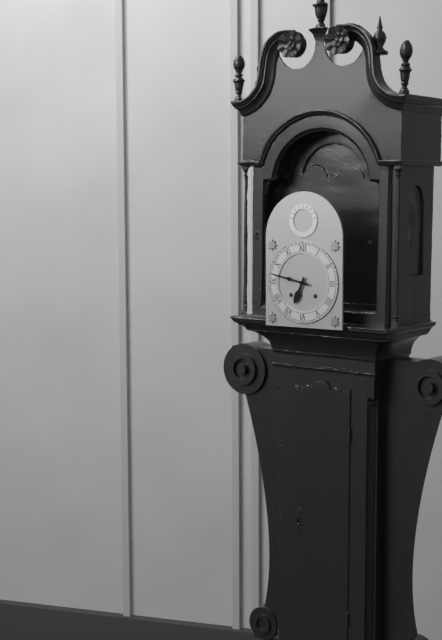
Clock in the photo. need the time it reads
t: 6:47
